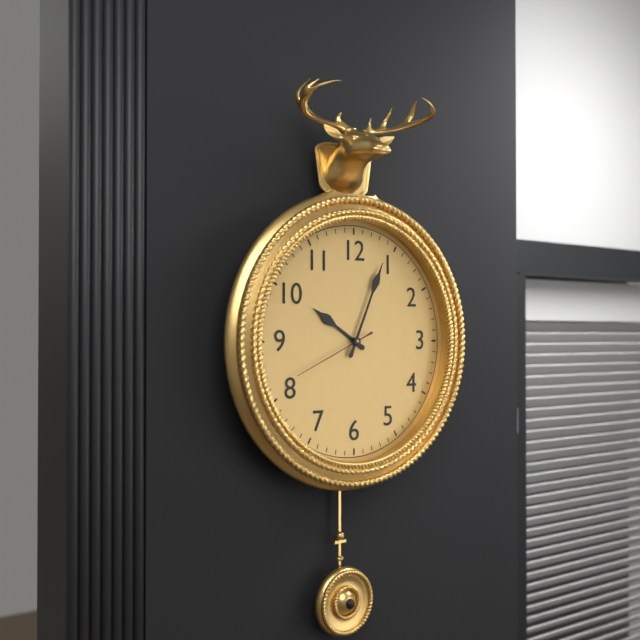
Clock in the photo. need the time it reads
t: 10:04:41
